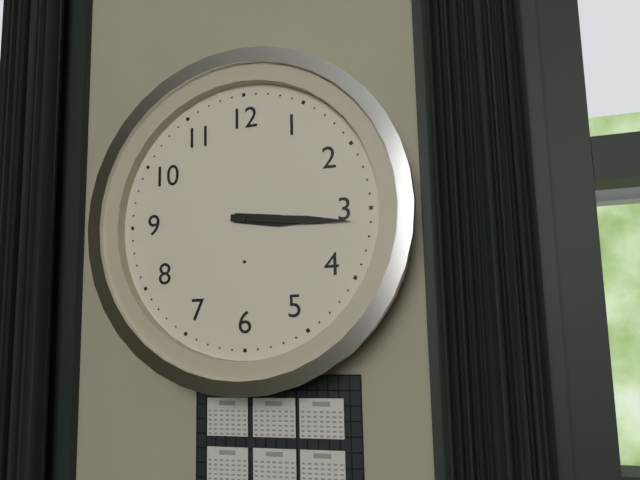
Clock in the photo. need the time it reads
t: 3:16
